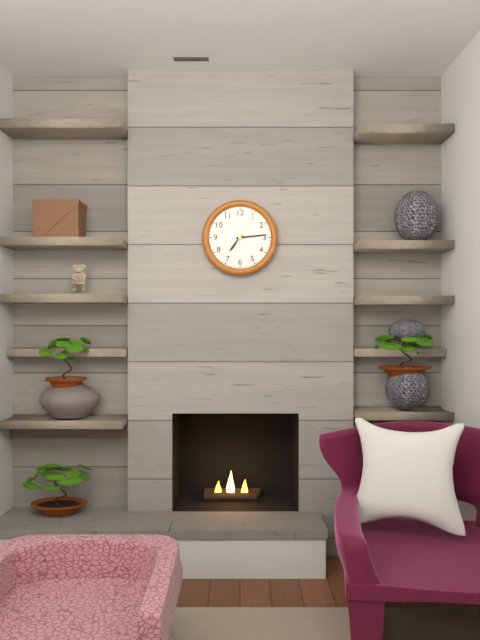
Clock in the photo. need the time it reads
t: 7:14
